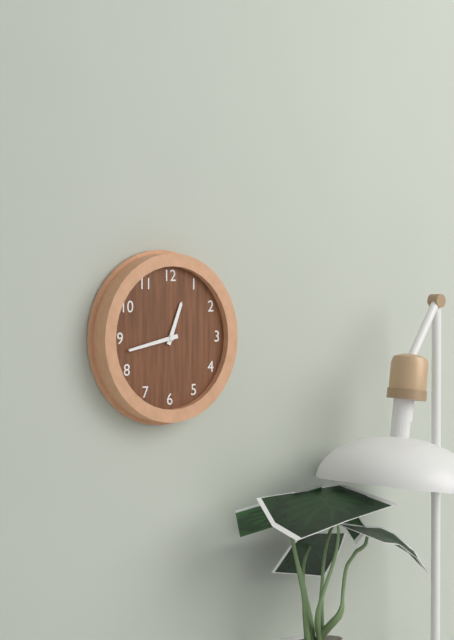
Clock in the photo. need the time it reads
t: 12:43
